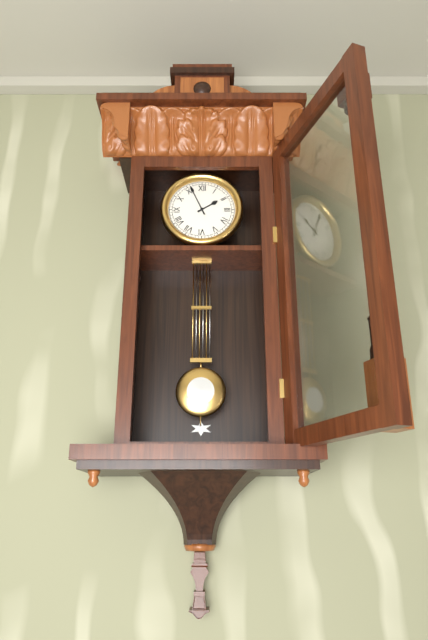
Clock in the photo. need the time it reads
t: 1:56
